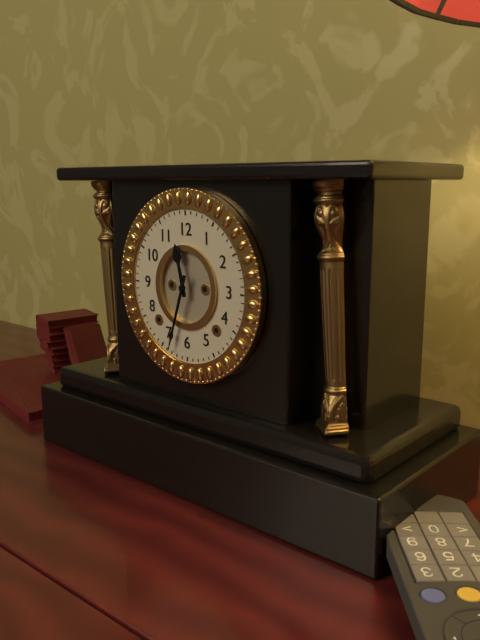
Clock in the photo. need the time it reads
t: 11:33
